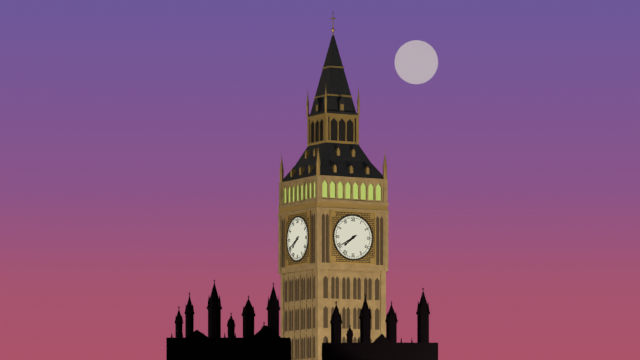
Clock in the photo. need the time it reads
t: 7:40
